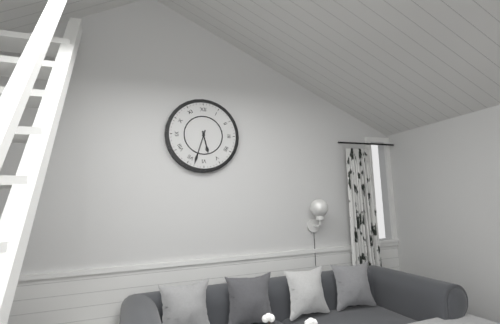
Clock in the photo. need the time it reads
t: 5:33
